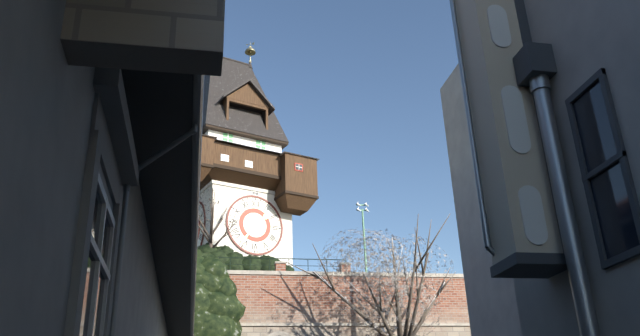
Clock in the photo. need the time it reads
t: 1:36
